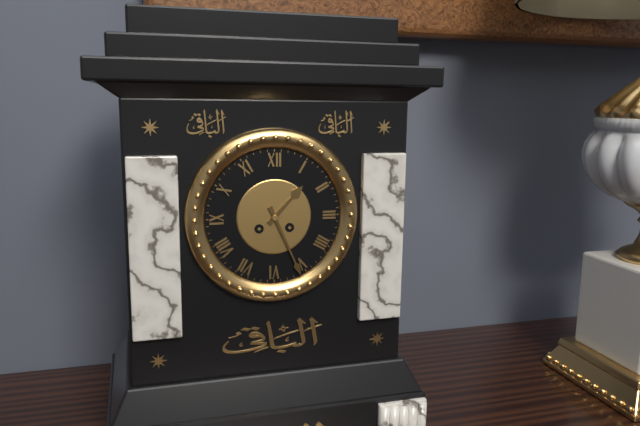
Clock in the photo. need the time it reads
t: 1:26
